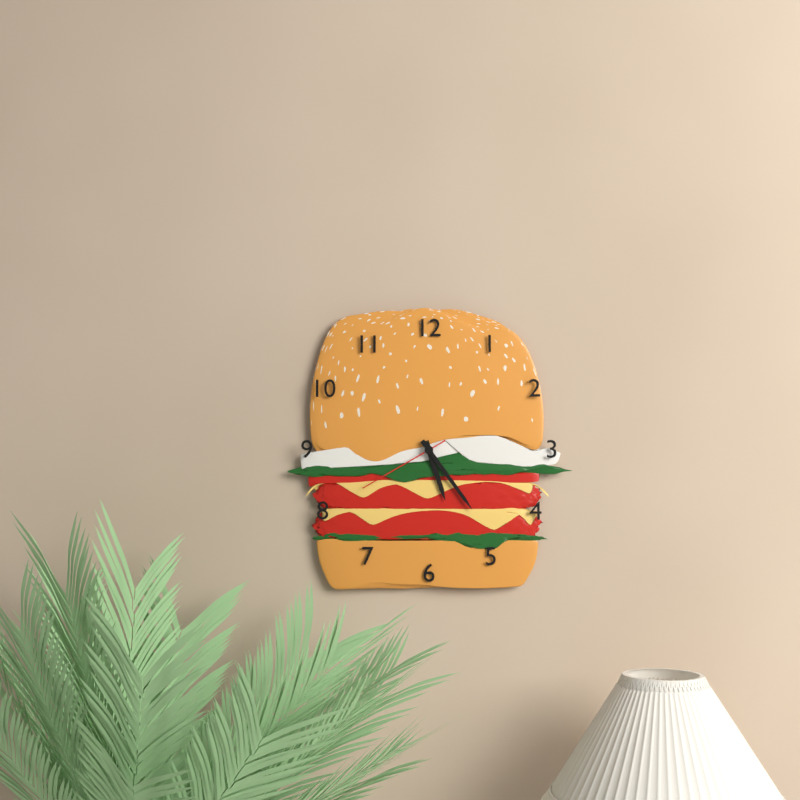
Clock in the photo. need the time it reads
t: 5:24:40
